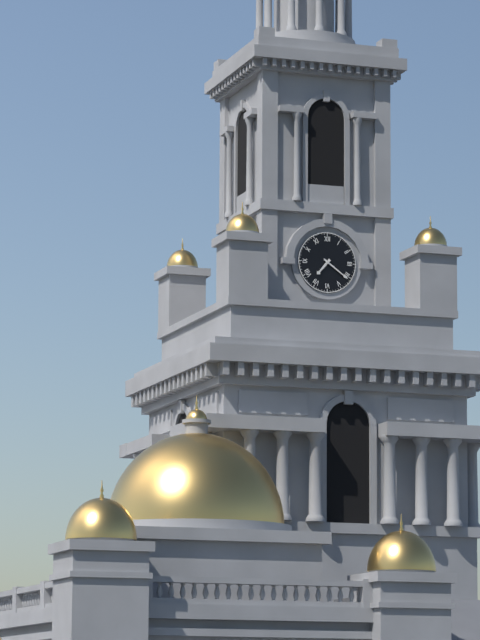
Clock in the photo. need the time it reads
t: 7:21
